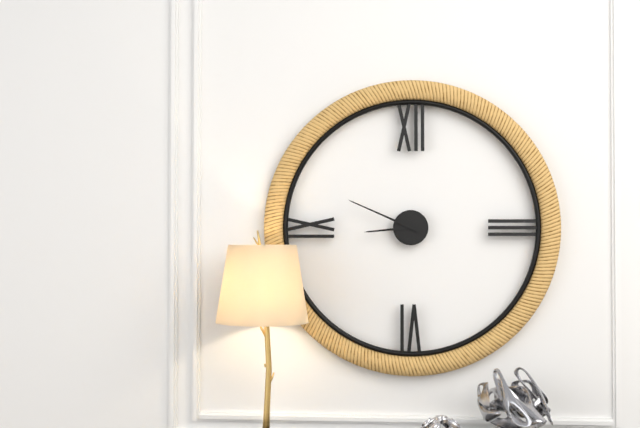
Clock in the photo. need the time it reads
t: 8:49
